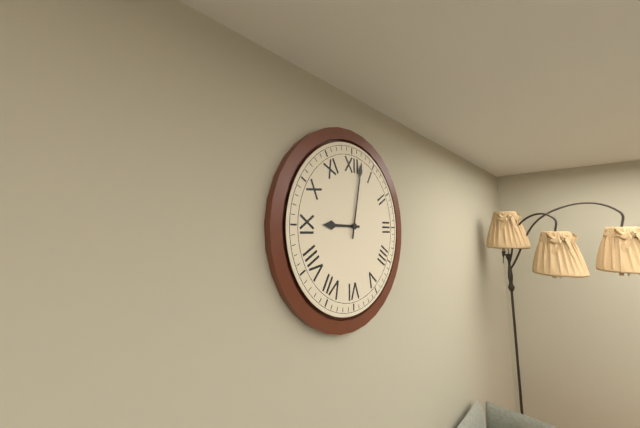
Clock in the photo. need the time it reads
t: 9:02
